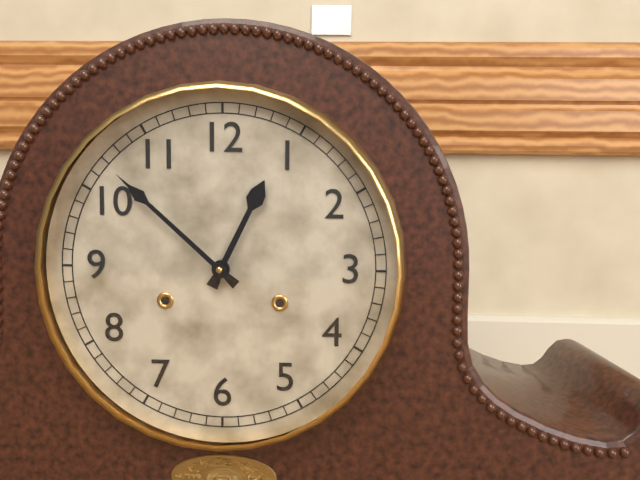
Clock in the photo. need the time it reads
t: 12:52
